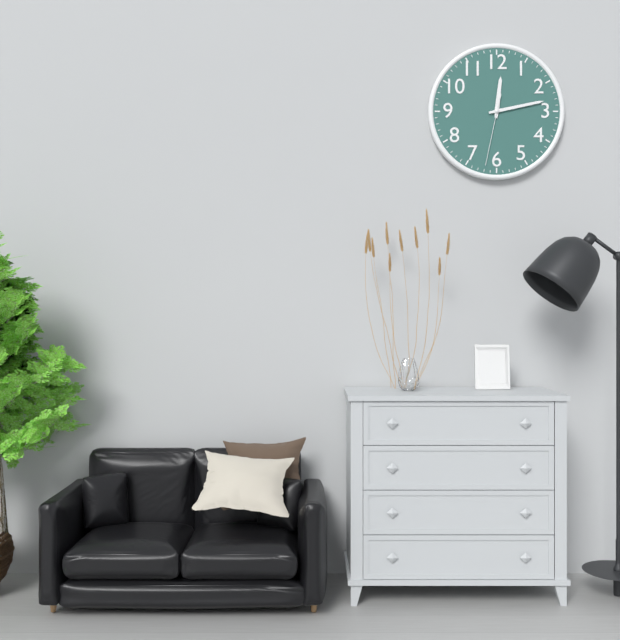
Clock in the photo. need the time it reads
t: 12:13:32
